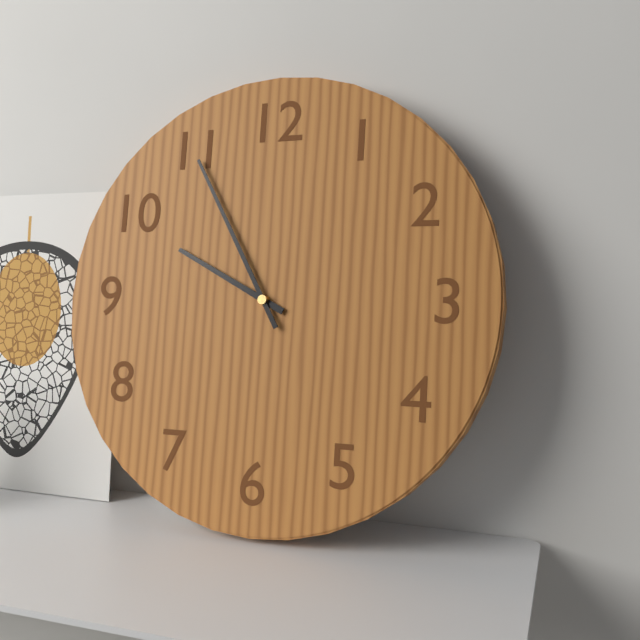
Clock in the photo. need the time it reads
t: 9:55
